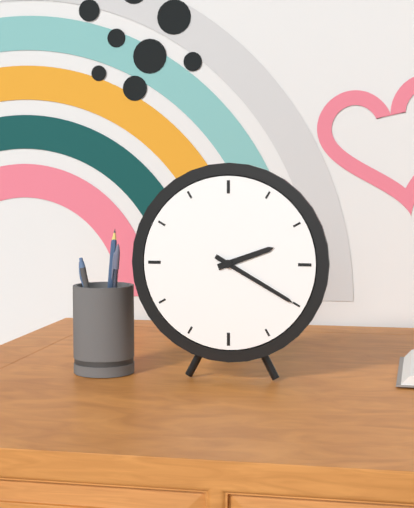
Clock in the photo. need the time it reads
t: 2:20
